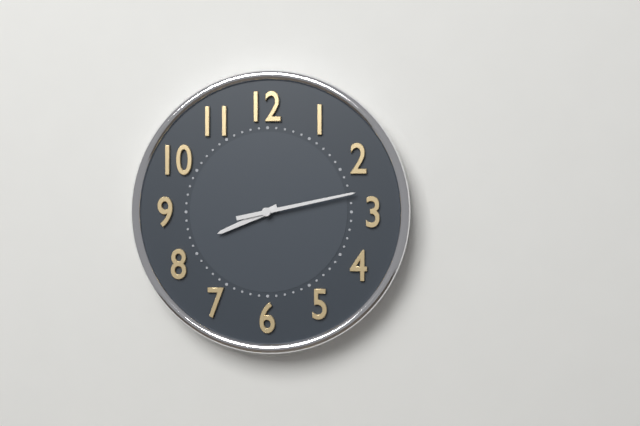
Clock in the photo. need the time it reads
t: 8:13
